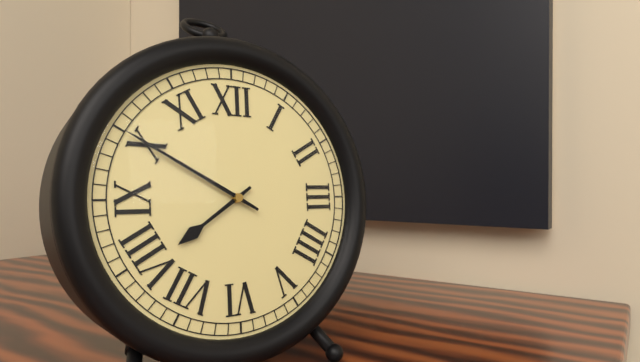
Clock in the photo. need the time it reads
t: 7:50
